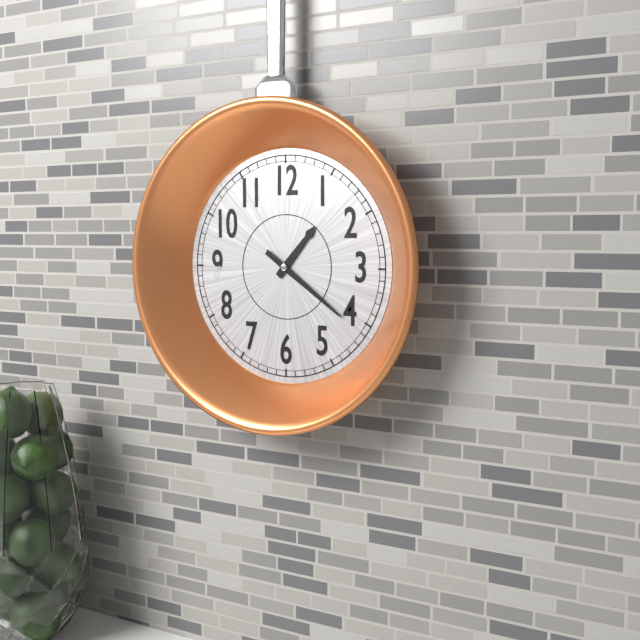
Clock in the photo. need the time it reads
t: 1:21
